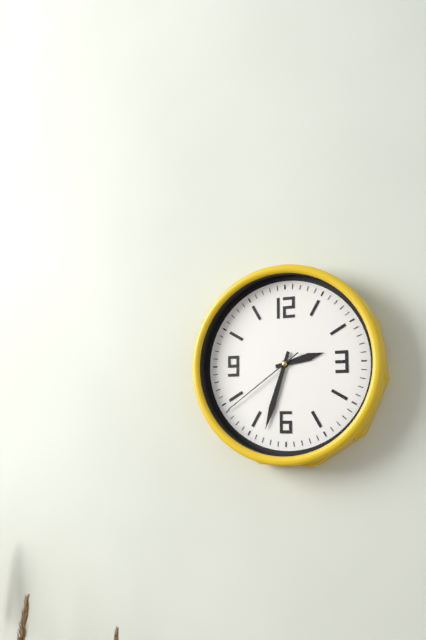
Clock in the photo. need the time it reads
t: 2:33:39
